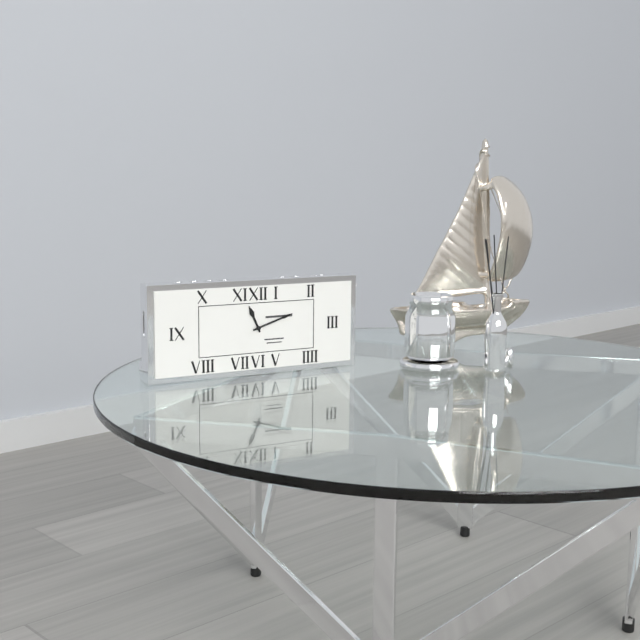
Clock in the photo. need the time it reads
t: 11:12
